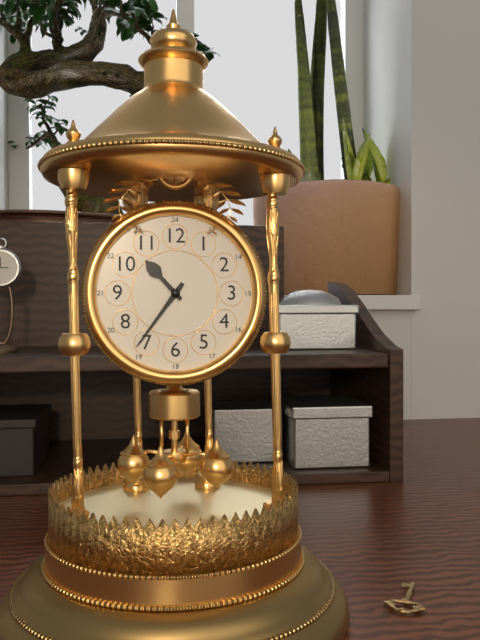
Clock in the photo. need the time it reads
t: 10:36
